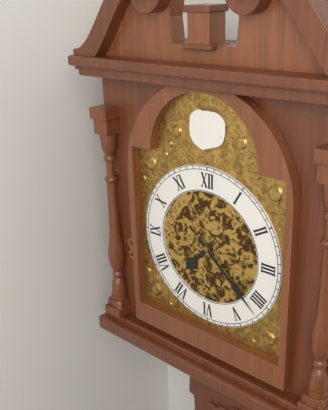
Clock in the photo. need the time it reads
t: 7:22
